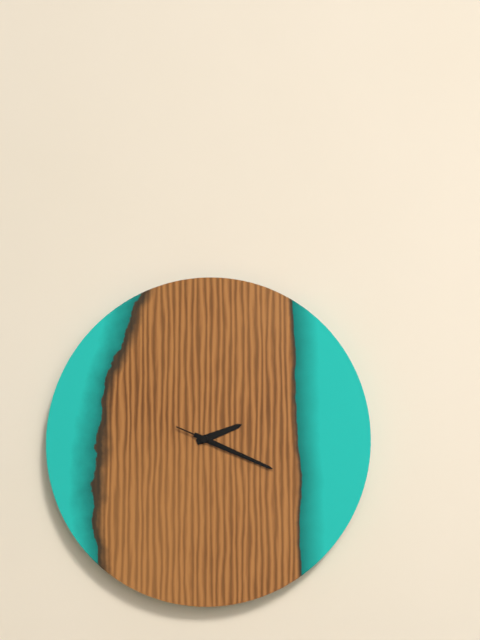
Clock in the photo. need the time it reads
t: 2:19:19
